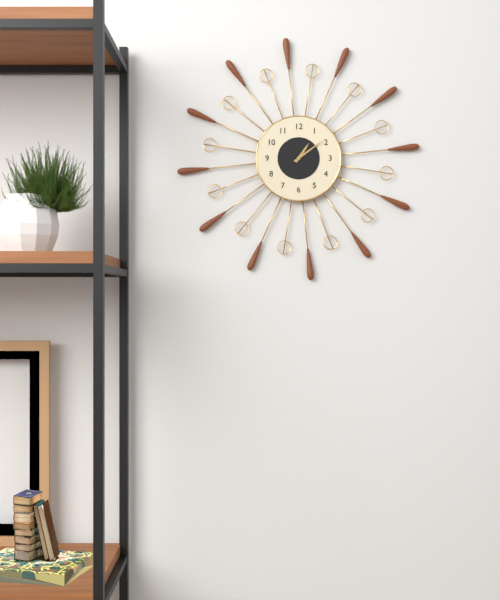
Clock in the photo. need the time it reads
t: 1:09
